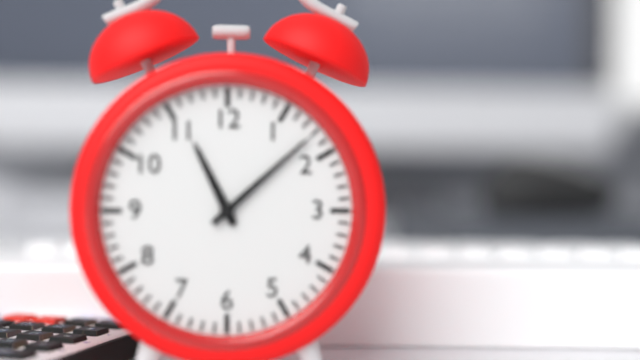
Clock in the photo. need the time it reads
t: 11:08
